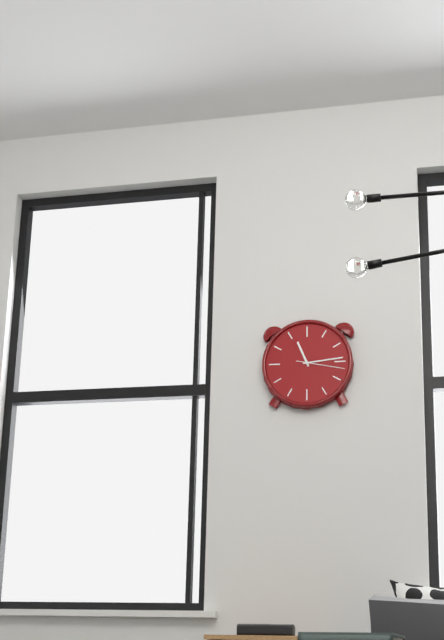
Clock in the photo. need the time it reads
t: 11:14
